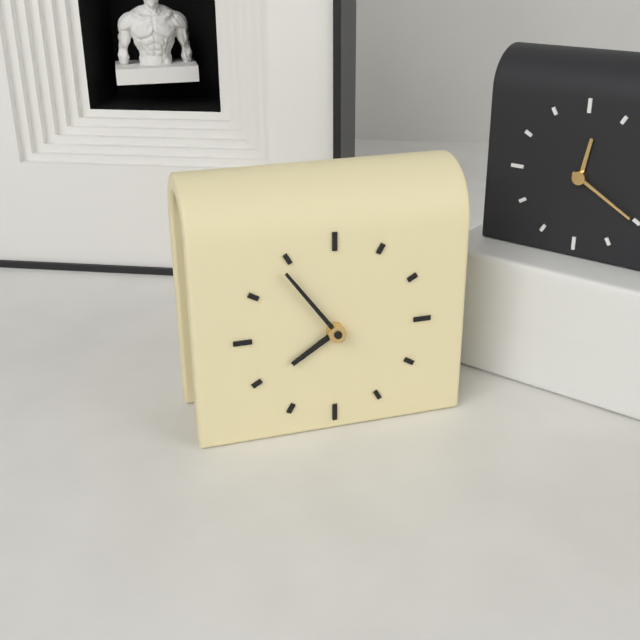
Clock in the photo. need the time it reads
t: 7:54
